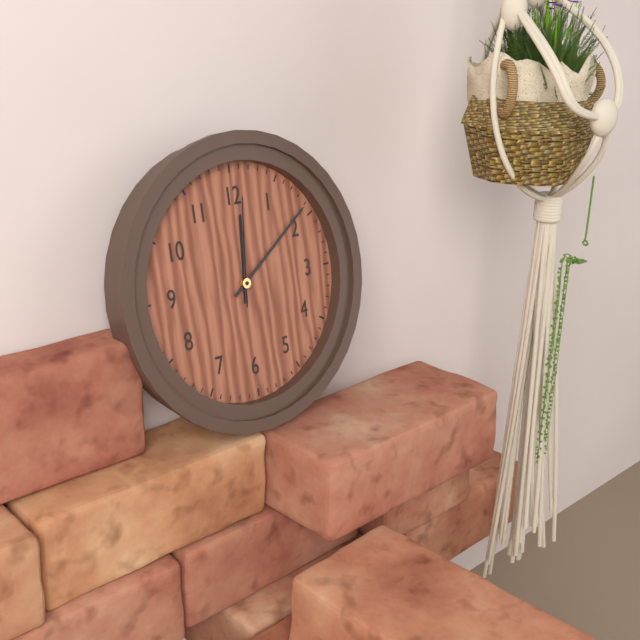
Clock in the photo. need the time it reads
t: 12:09:01
